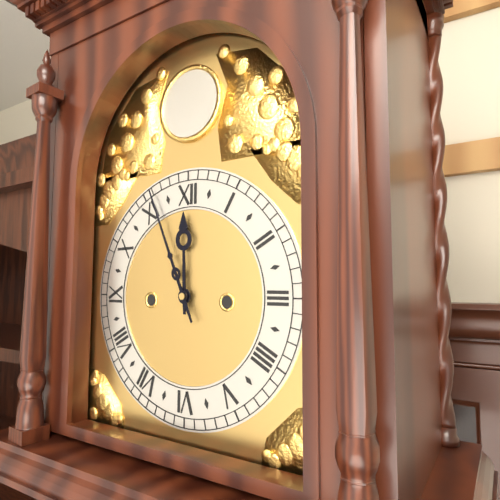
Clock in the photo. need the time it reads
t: 11:56
